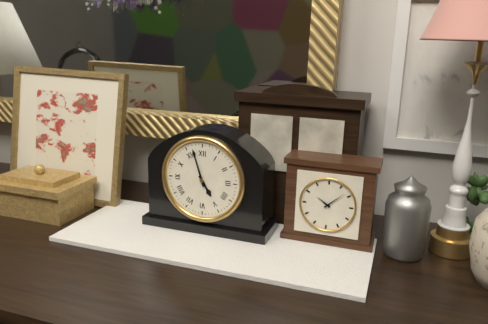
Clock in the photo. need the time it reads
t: 4:57
